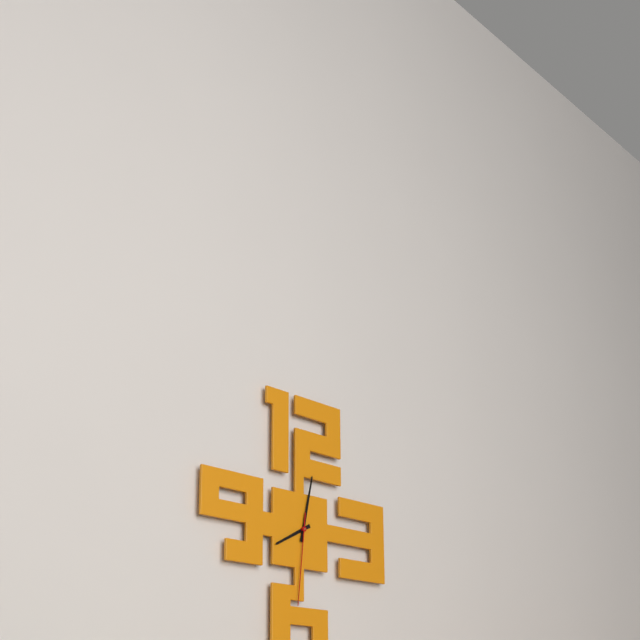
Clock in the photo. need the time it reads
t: 8:02:31
